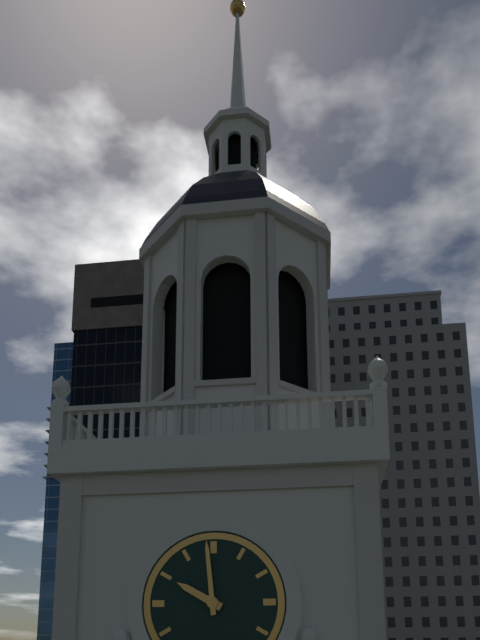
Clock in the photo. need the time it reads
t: 9:59
